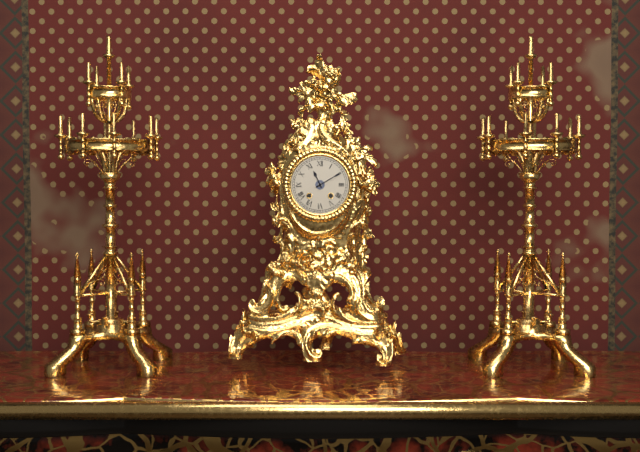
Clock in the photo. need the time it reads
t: 11:10
